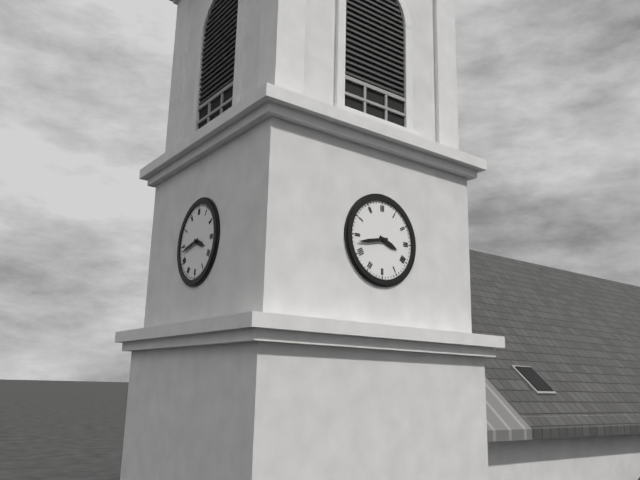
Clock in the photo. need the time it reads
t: 3:43
